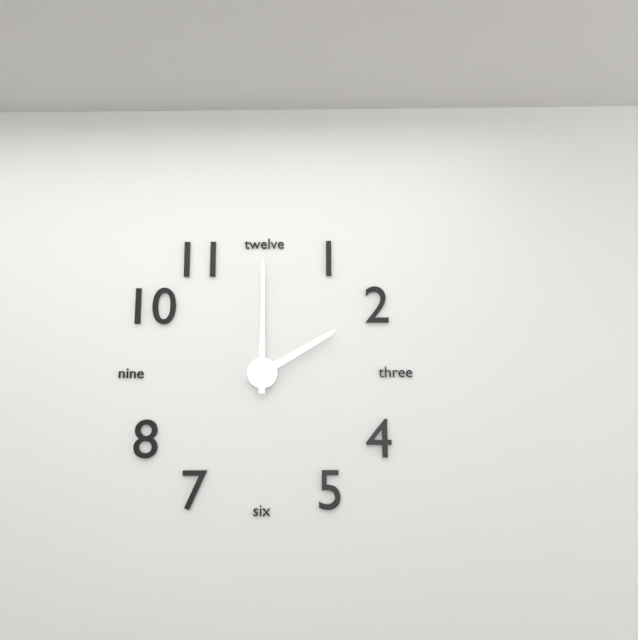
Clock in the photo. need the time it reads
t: 2:00
